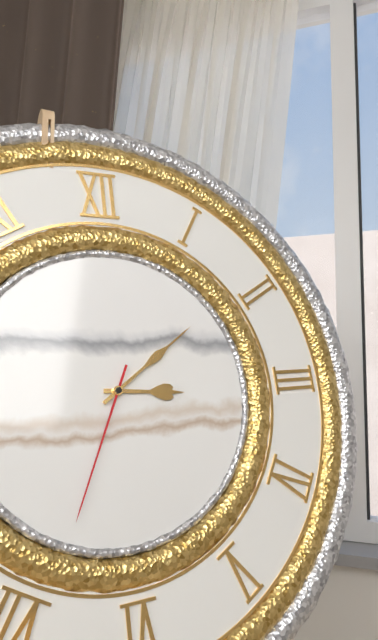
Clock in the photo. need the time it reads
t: 3:09:34
